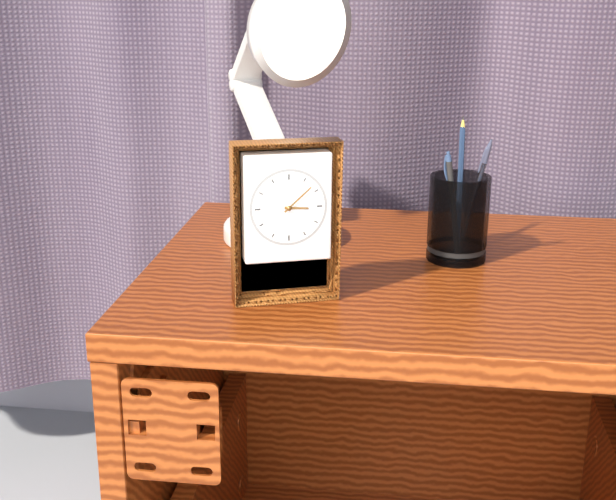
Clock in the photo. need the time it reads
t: 3:08
